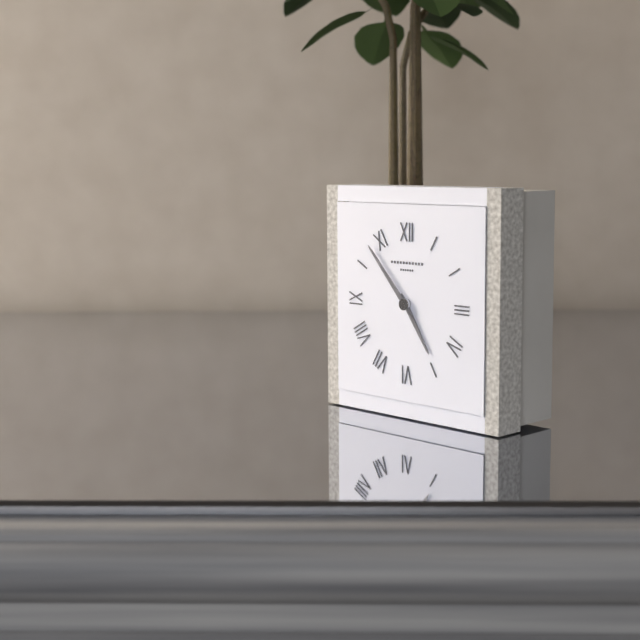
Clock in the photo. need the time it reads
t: 4:53
